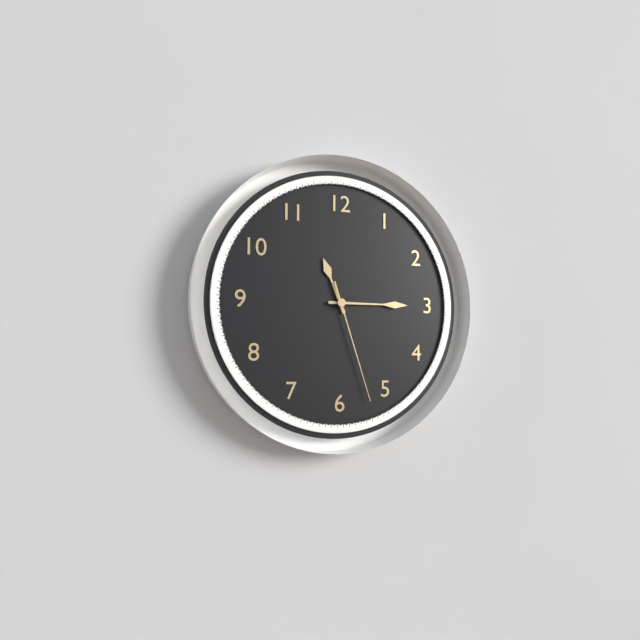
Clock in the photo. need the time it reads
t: 11:15:27
